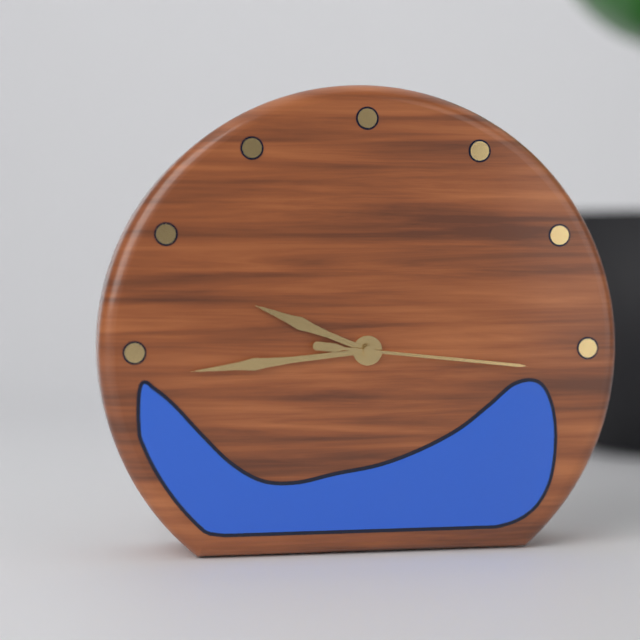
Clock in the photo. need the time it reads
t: 9:44:16
